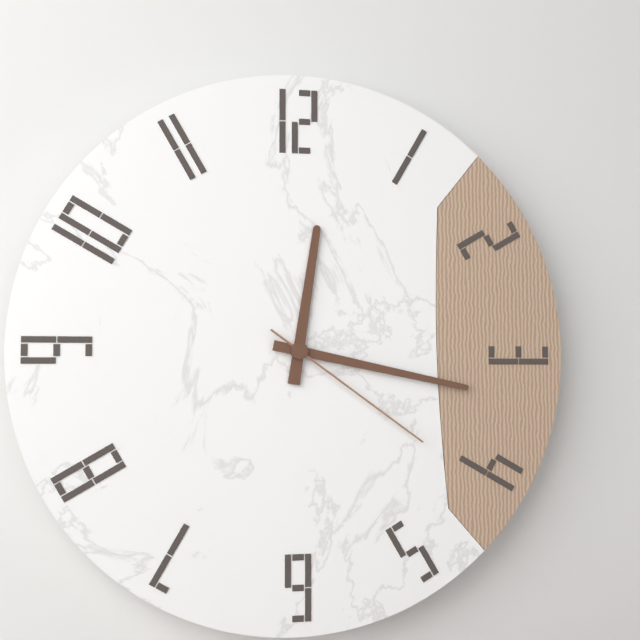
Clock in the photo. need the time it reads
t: 12:17:21
